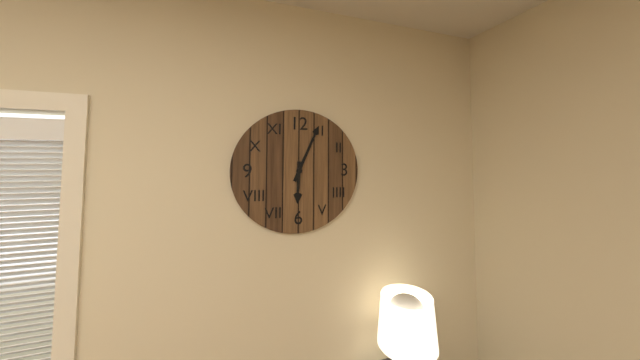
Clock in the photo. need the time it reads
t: 6:04
